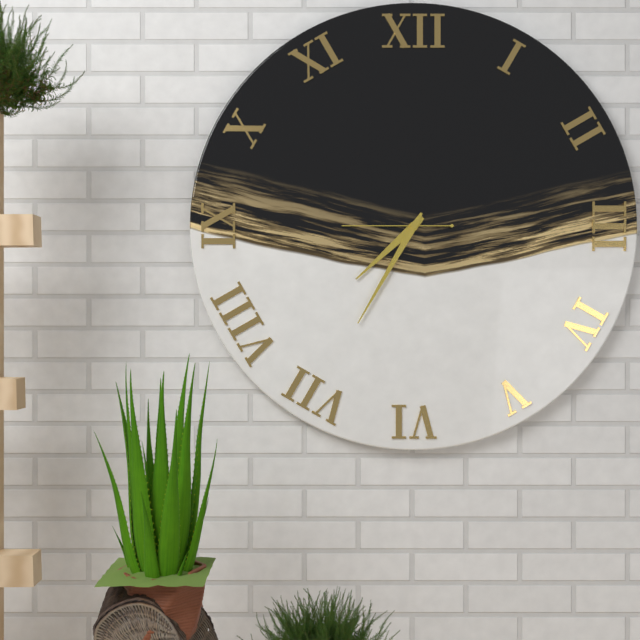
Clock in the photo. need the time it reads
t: 7:35:45
